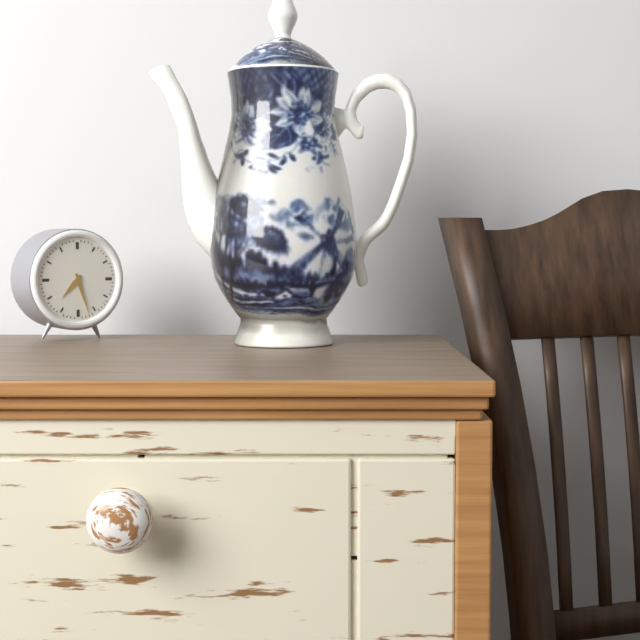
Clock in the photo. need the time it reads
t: 7:27
